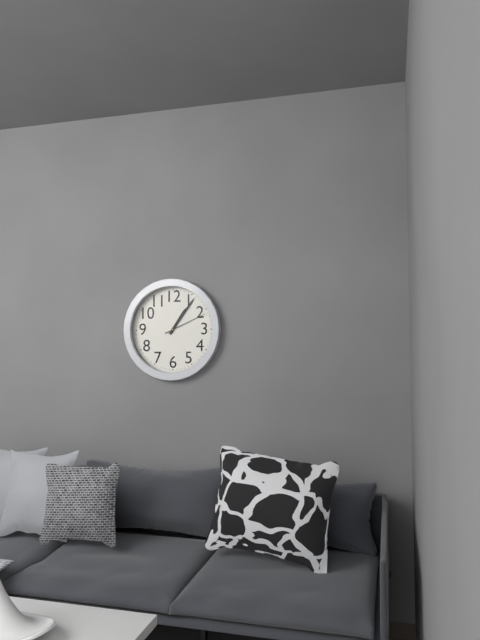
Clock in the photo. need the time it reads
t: 1:06
